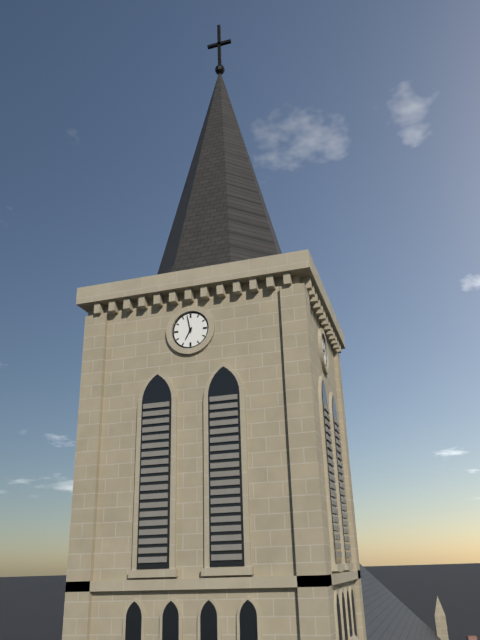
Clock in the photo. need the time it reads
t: 6:58
